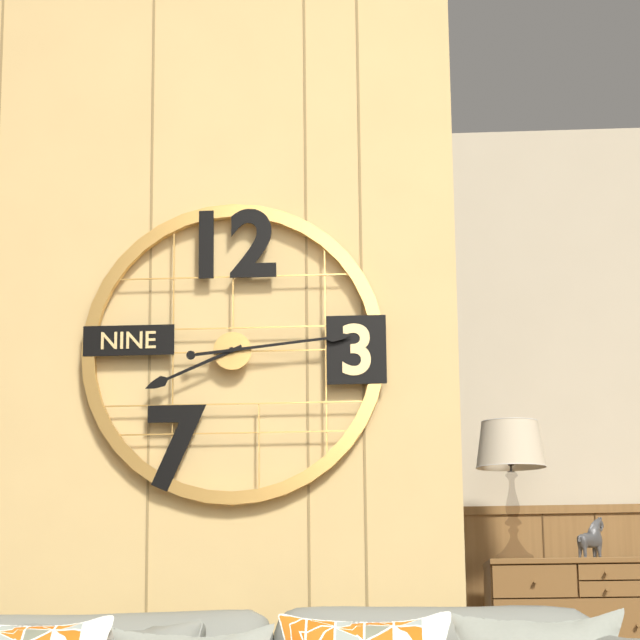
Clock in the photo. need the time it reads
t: 8:14
